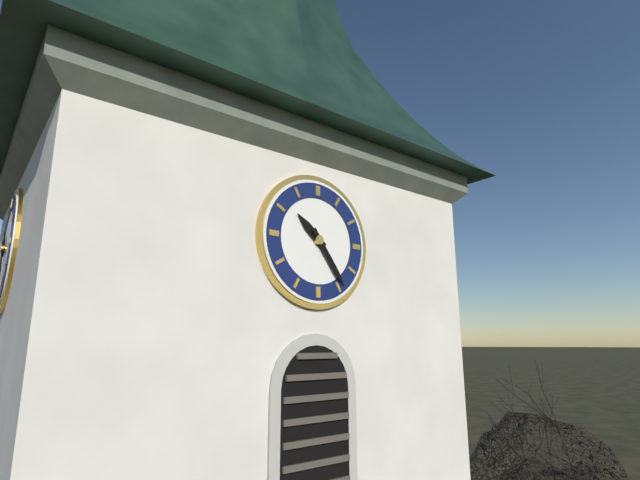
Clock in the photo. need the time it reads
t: 10:24
